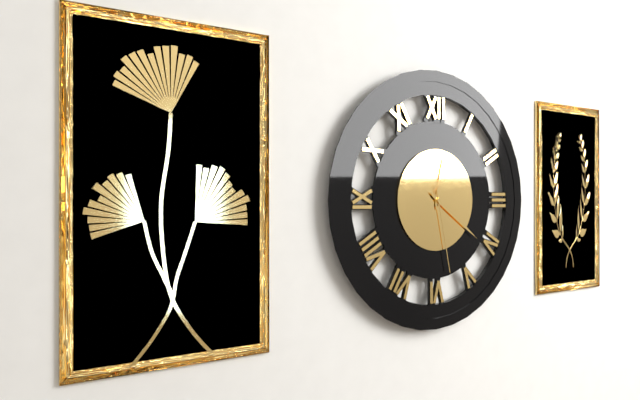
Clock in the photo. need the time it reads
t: 12:21:28
